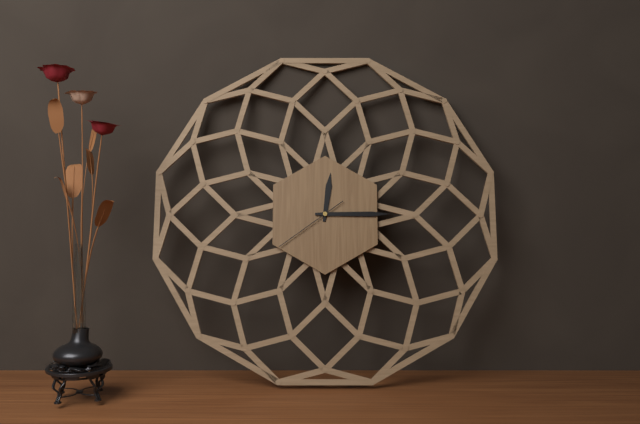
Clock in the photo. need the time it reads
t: 12:15:39
